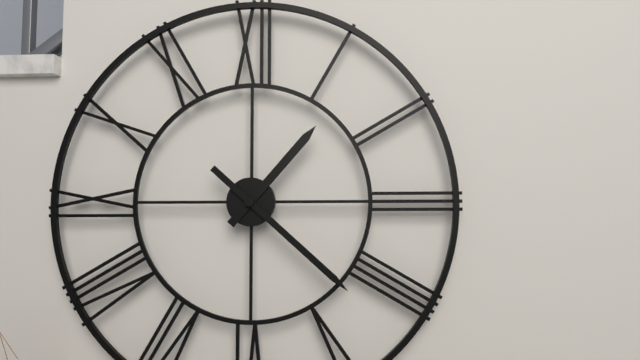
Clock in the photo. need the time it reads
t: 1:22
